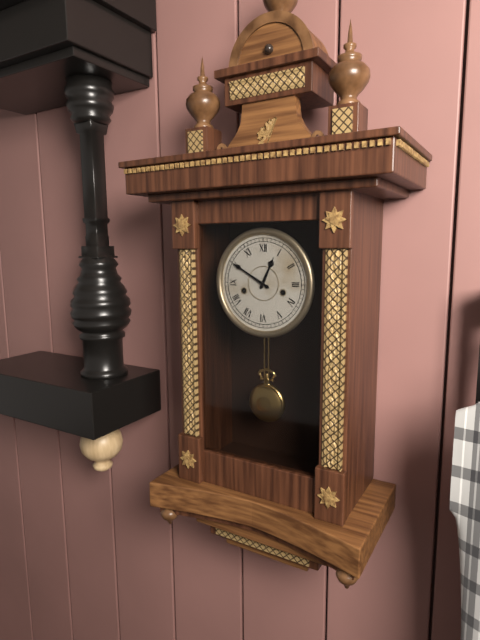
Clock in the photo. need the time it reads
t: 12:50
